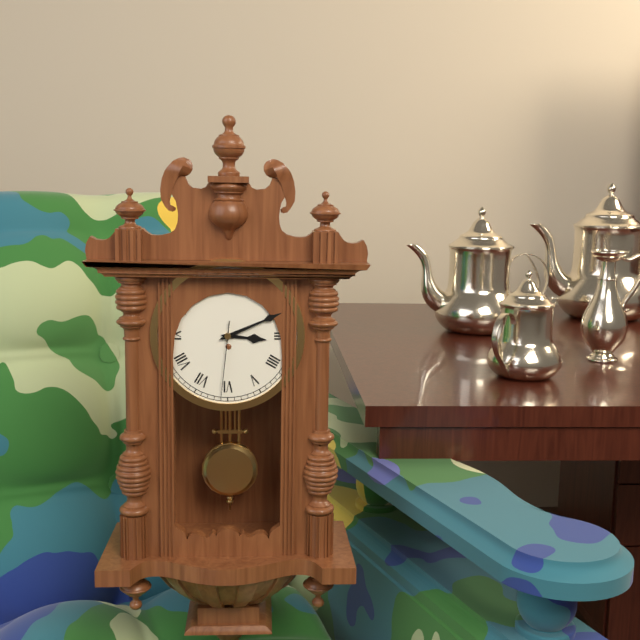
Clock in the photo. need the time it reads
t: 3:11:31
